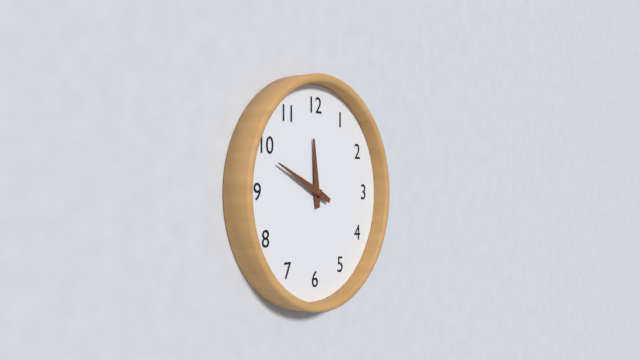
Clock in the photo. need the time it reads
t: 11:49
